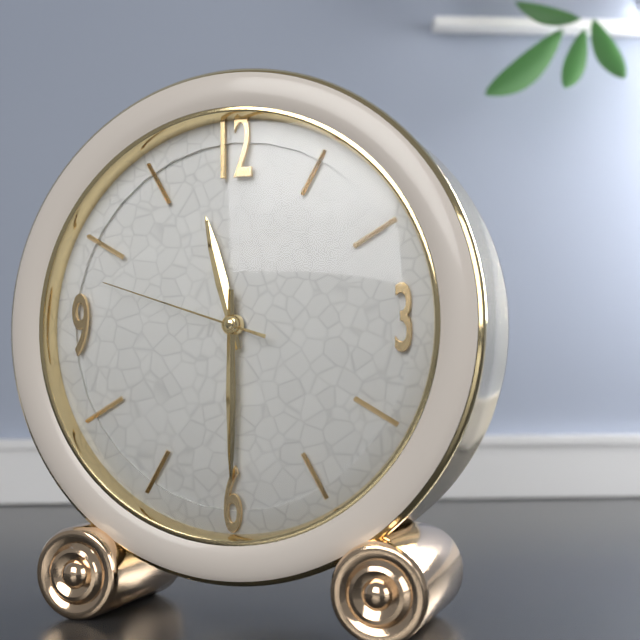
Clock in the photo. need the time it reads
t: 11:30:48
